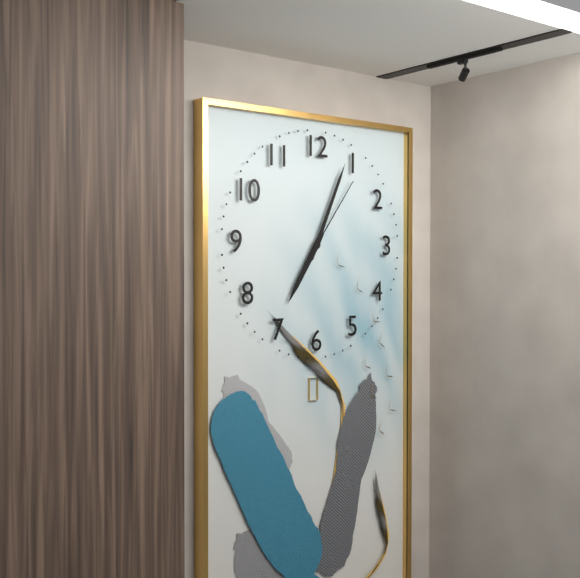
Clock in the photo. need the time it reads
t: 7:04:06
